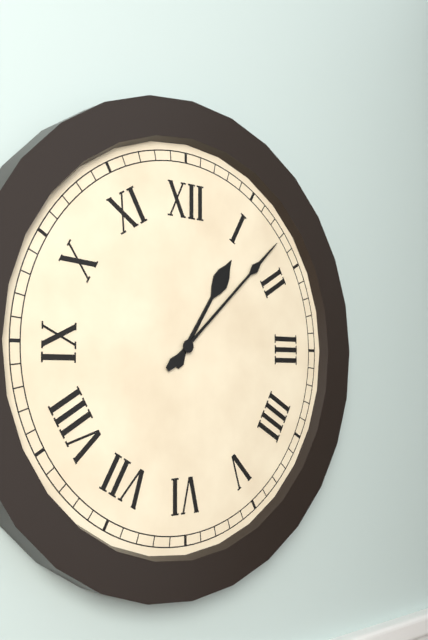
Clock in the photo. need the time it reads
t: 1:08
